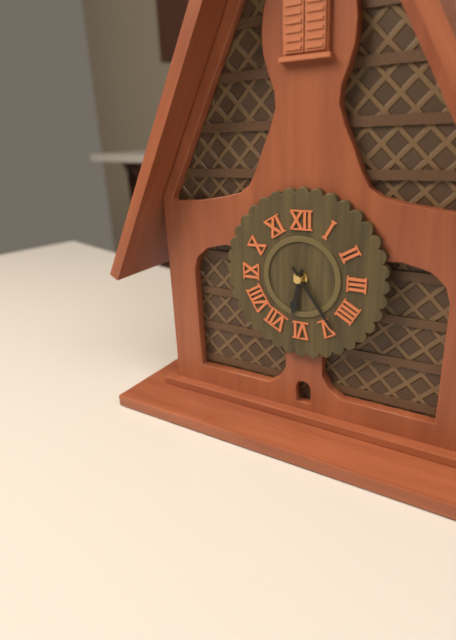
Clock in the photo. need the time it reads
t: 6:24
